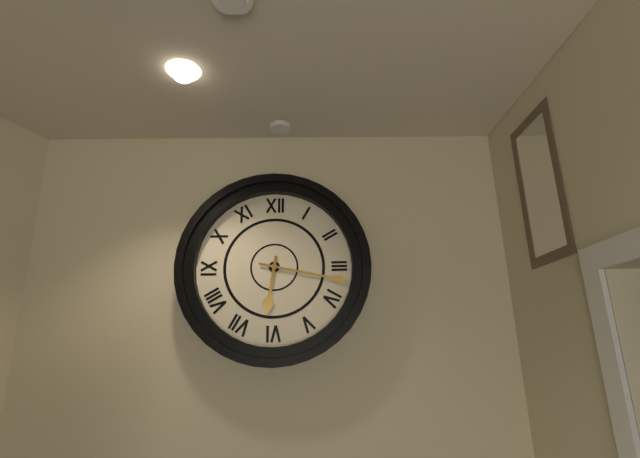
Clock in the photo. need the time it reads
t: 6:17
